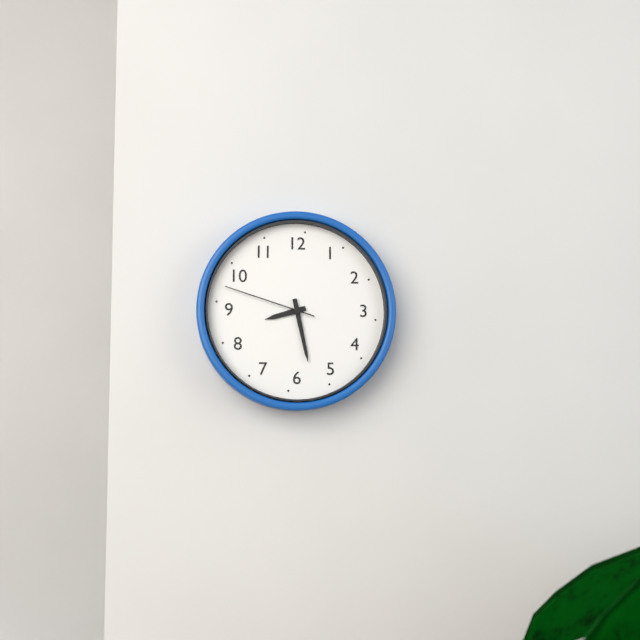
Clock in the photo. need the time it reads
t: 8:28:48
